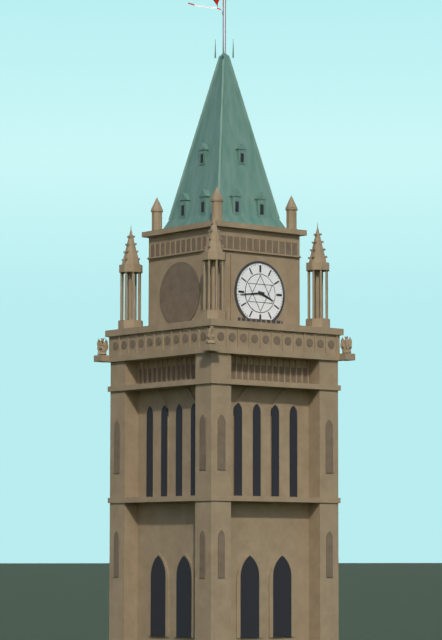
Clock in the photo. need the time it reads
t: 3:44
